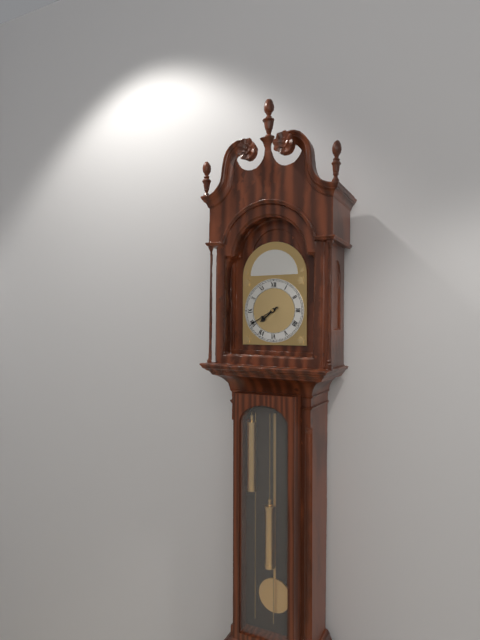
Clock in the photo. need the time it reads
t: 7:40
